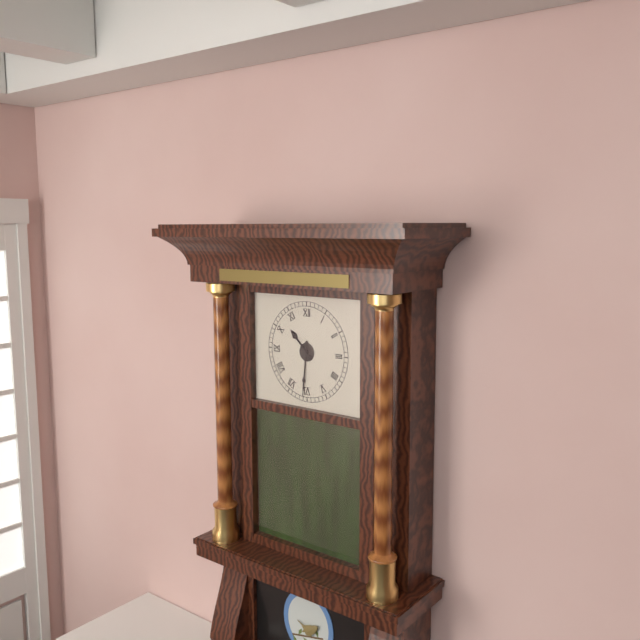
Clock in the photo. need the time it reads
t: 10:31
